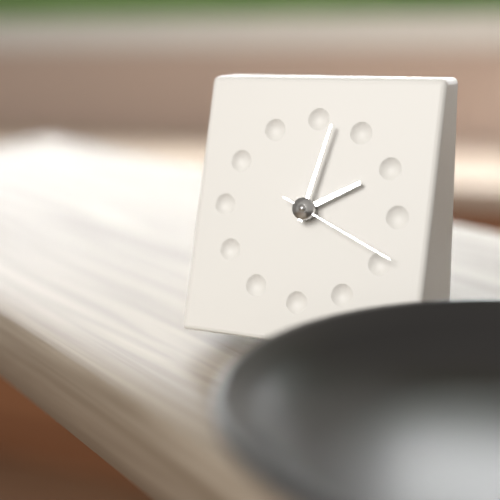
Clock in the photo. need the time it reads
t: 2:02:19
